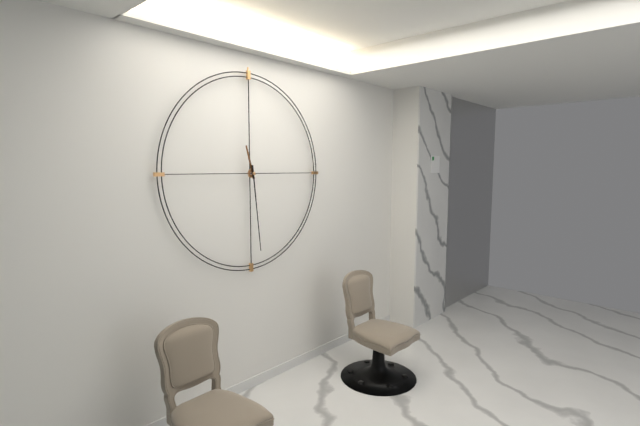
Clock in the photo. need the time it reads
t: 11:29
